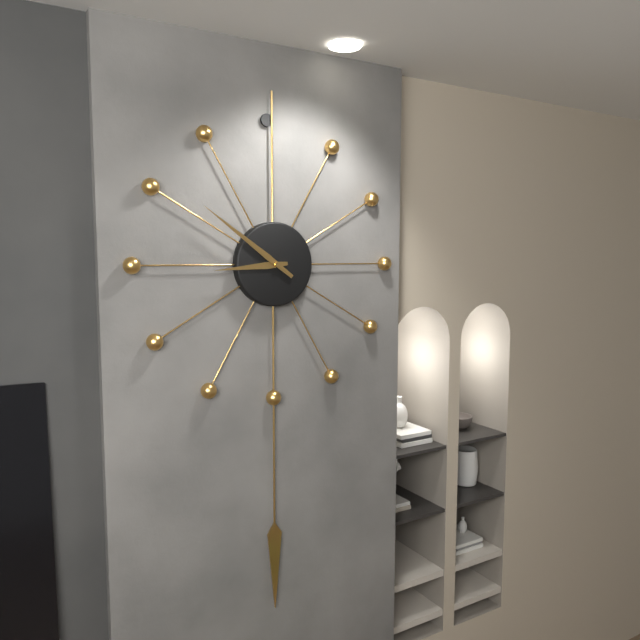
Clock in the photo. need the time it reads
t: 8:51
